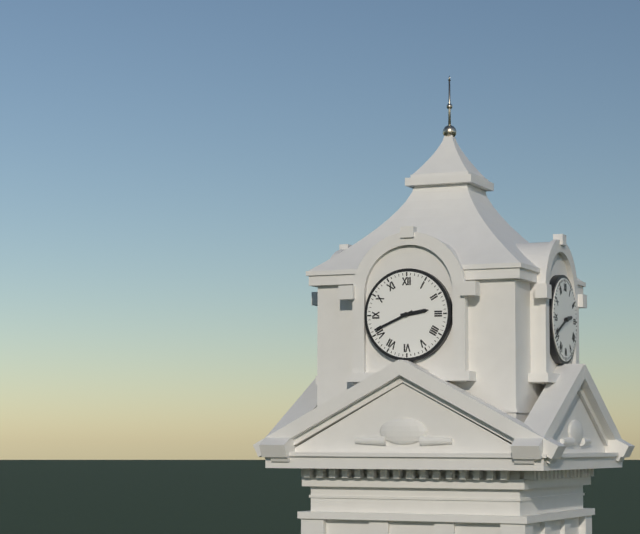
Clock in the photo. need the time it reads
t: 2:41
